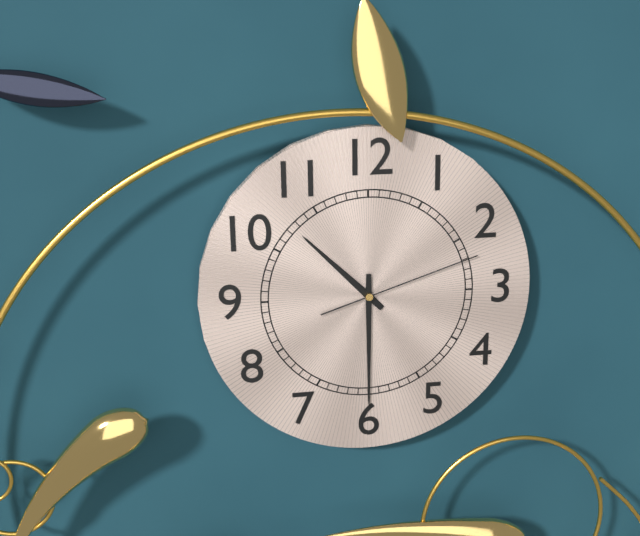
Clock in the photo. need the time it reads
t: 10:30:12
